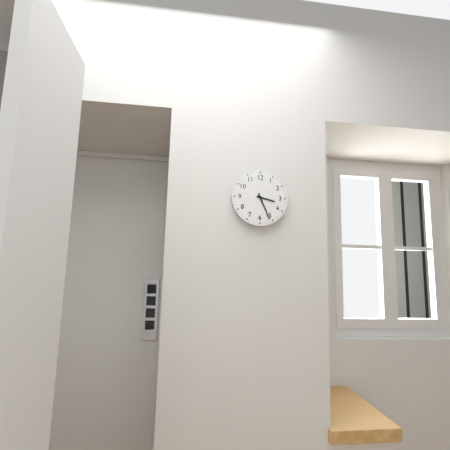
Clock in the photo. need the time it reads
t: 3:26
